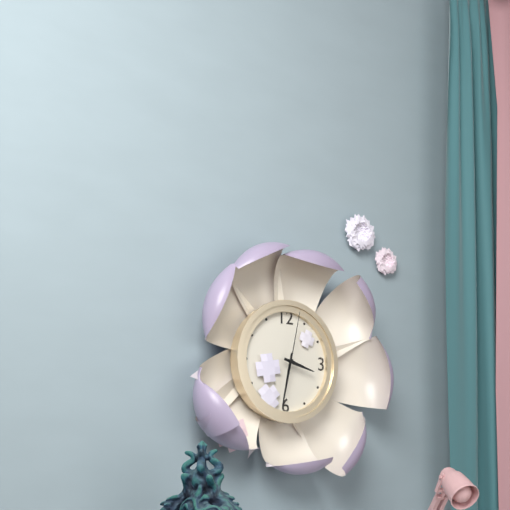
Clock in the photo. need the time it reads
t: 3:32:02
